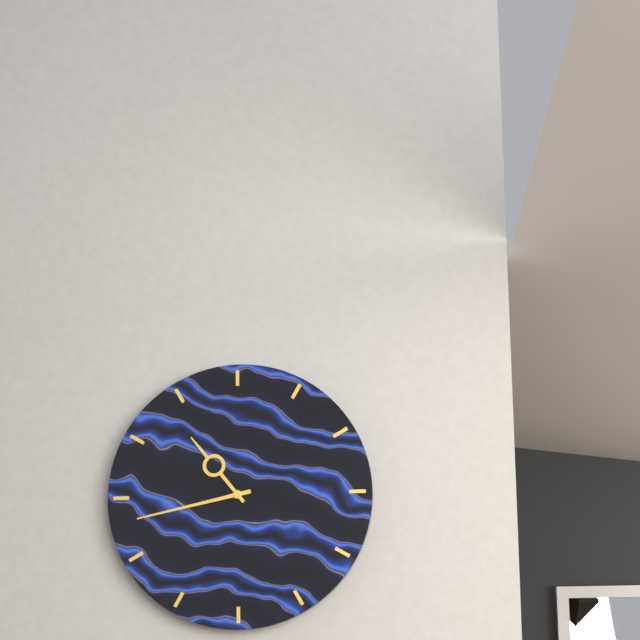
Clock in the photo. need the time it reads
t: 10:43
